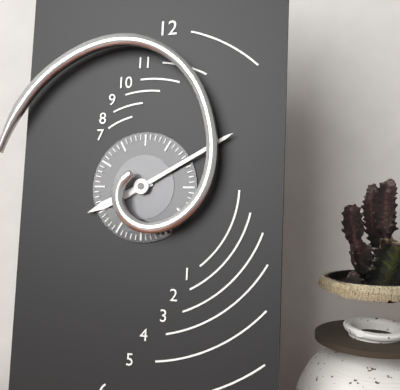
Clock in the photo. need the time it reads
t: 8:10
